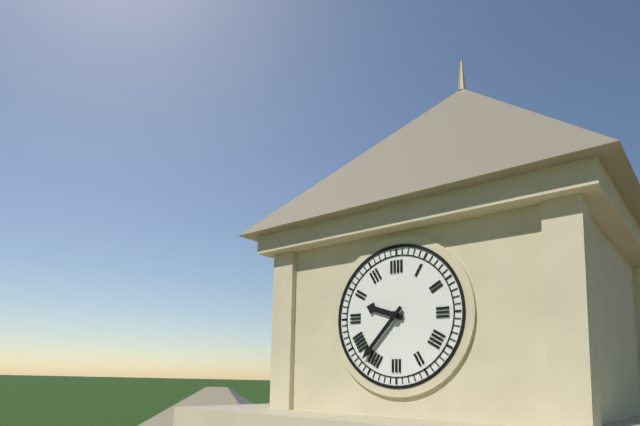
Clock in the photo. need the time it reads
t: 9:37
